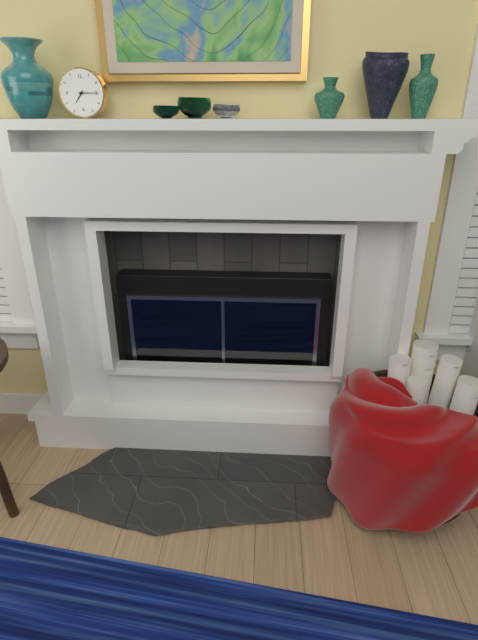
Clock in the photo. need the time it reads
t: 7:15
